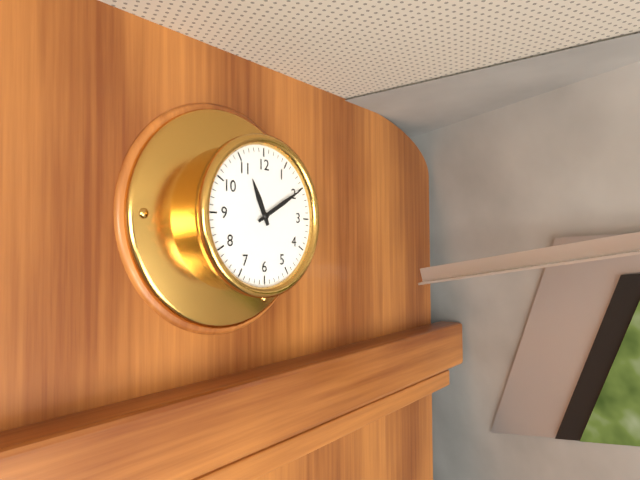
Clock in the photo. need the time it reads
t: 11:10
